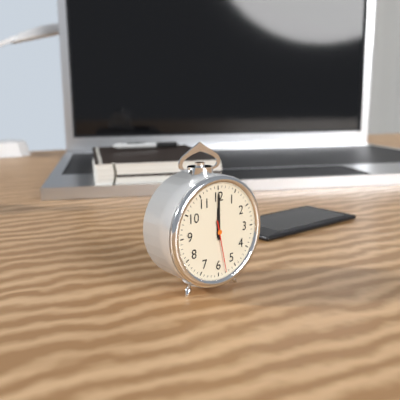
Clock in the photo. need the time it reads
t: 12:00:28
